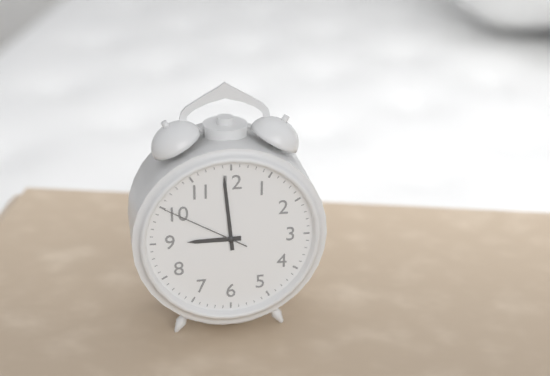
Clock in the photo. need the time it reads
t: 8:59:50
